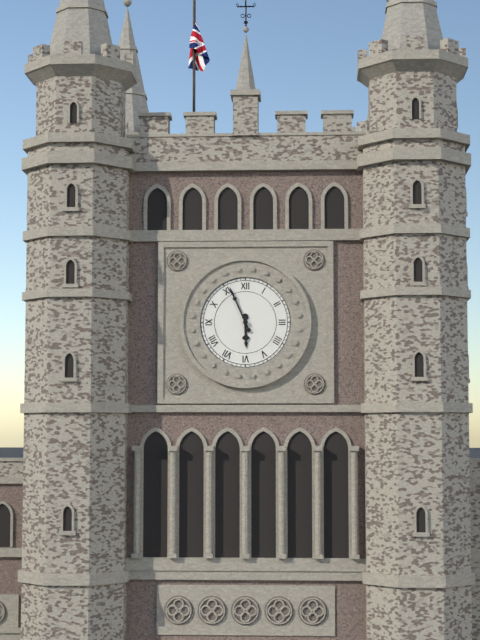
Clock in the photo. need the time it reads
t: 5:56
